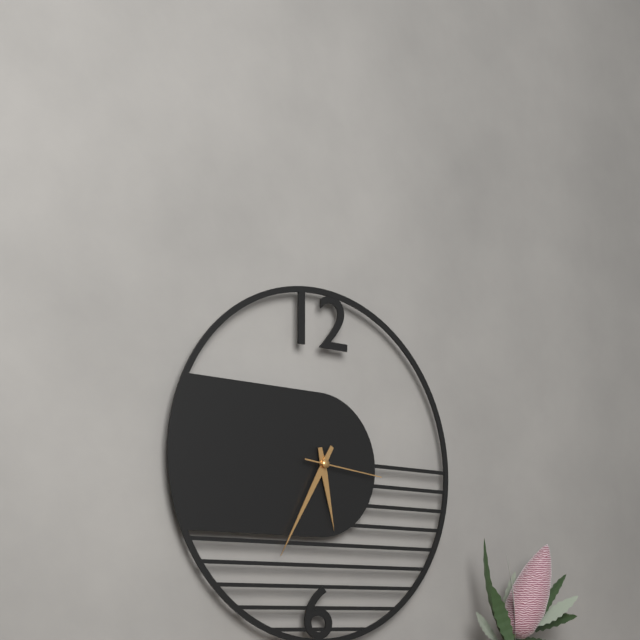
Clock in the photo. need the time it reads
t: 5:35:16
